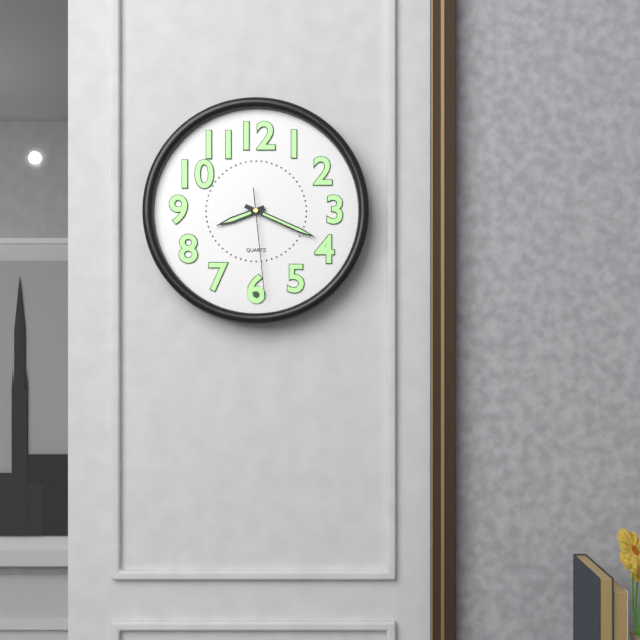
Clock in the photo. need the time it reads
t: 8:19:29
